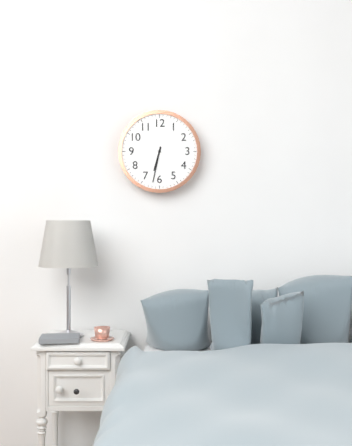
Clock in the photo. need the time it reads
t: 6:32
